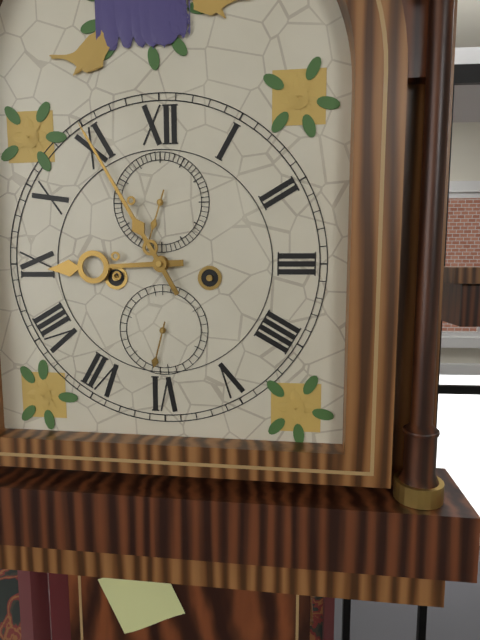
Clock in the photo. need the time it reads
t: 8:55:33
